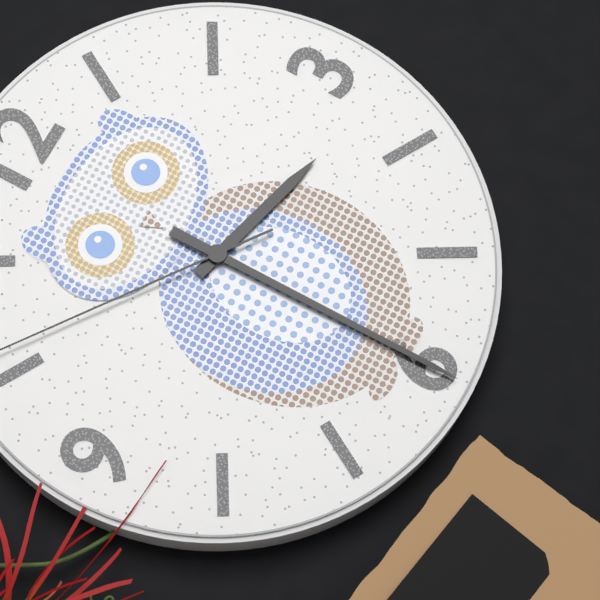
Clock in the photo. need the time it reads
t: 3:30
